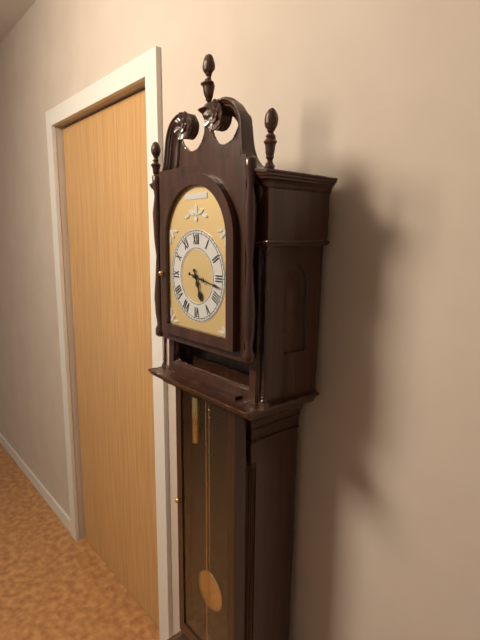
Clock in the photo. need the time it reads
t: 5:17
